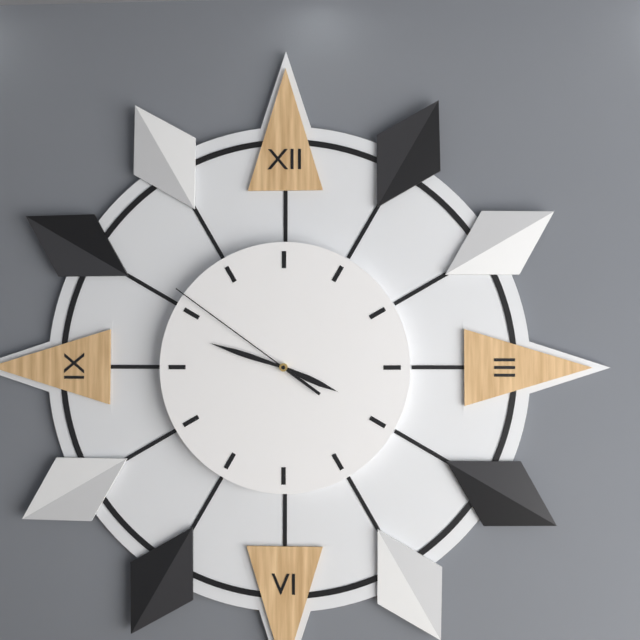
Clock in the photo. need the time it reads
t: 3:48:51
